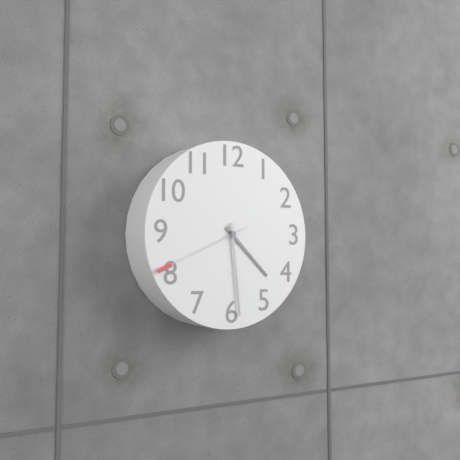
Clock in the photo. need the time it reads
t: 4:29:41
